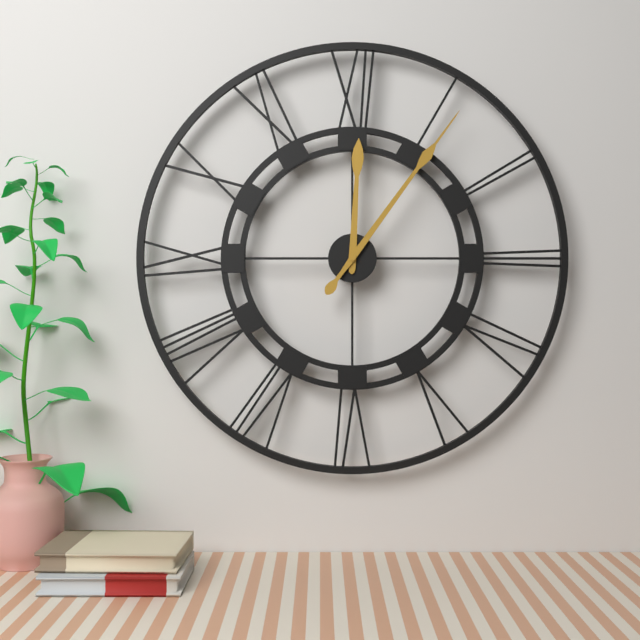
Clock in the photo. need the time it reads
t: 12:06
